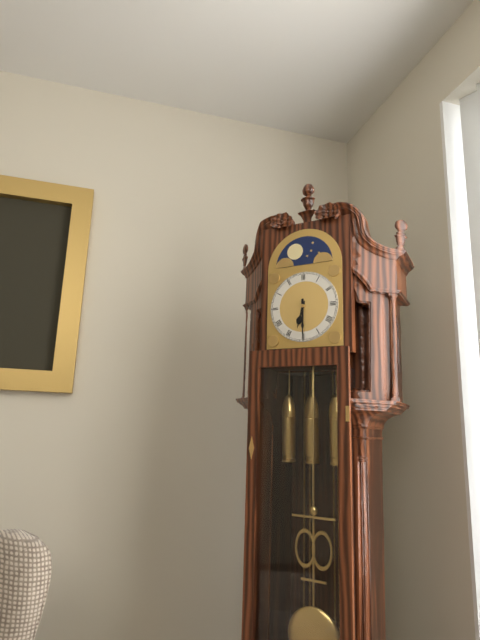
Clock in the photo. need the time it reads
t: 6:30
